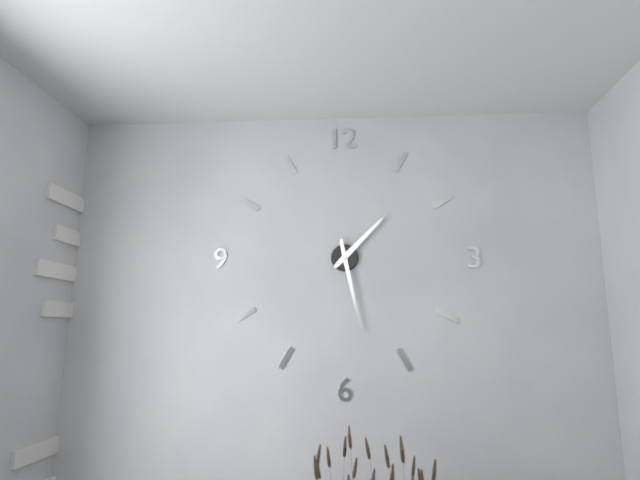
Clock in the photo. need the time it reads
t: 1:28
